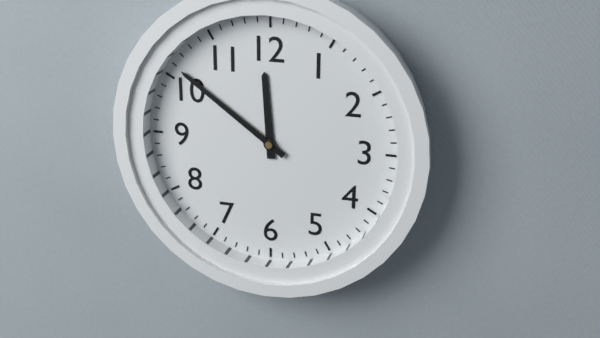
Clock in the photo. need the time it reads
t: 11:51
